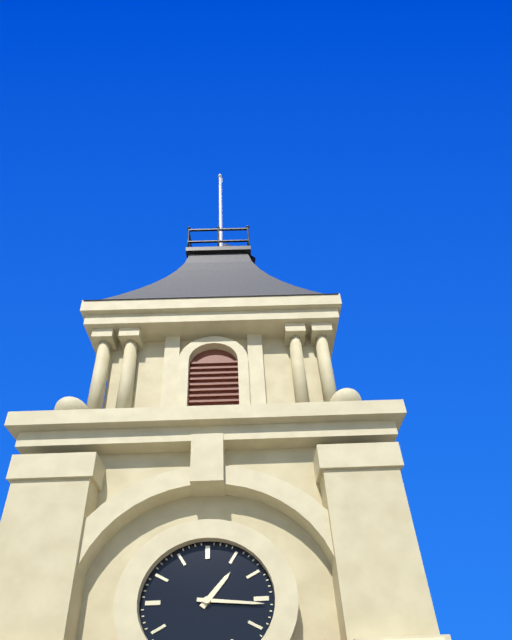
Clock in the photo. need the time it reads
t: 1:16
